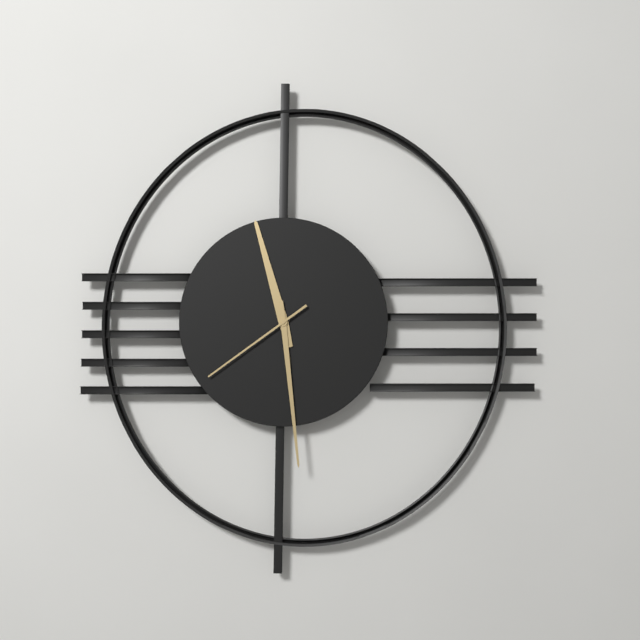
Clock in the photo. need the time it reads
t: 11:29:39
